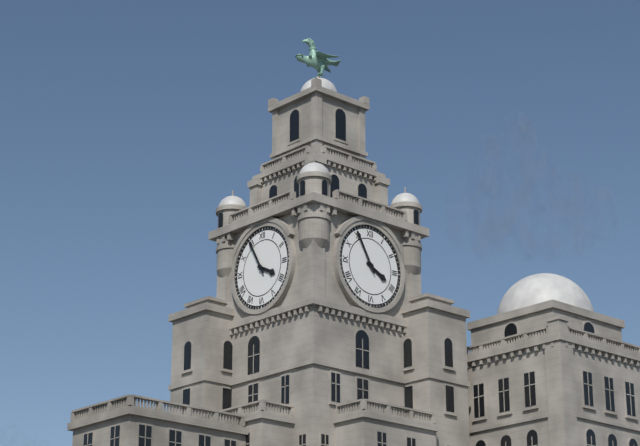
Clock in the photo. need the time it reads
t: 3:55
